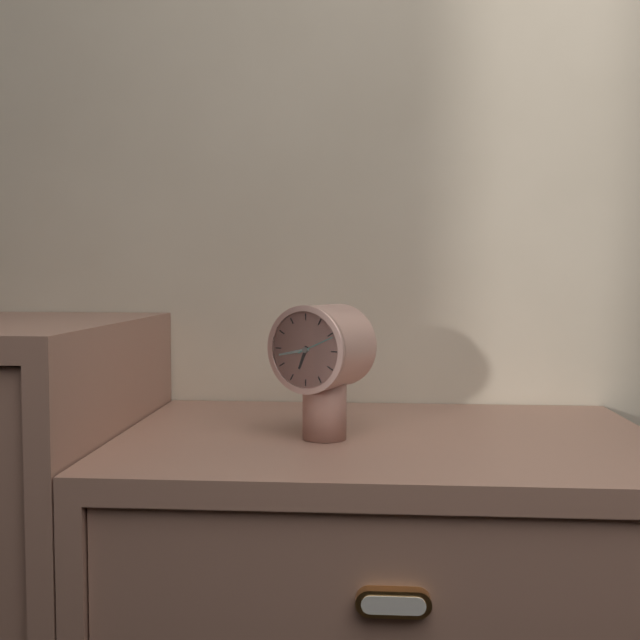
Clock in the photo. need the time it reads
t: 6:43
